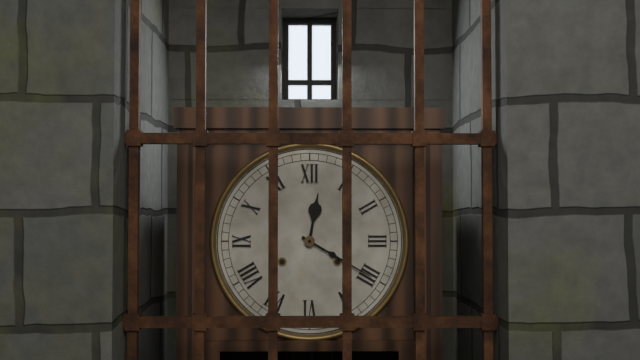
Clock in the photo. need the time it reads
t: 12:20
